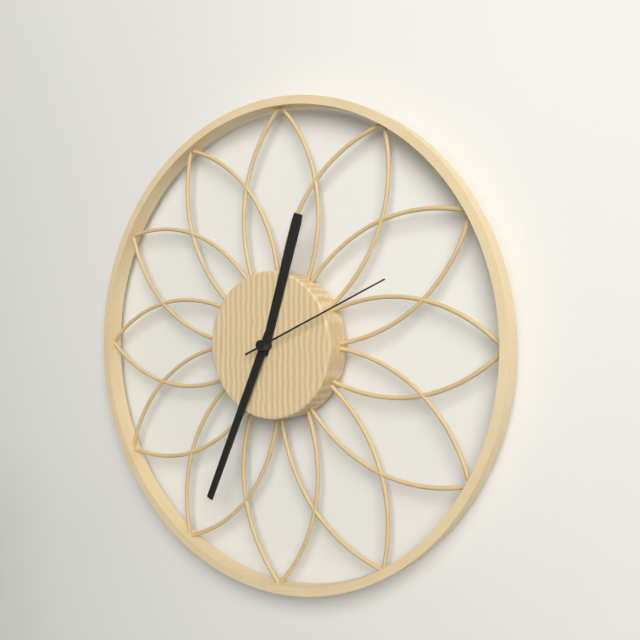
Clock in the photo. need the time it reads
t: 12:34:11
